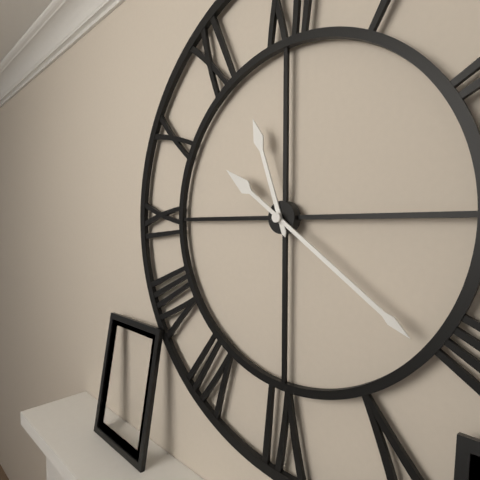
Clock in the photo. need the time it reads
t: 11:21
